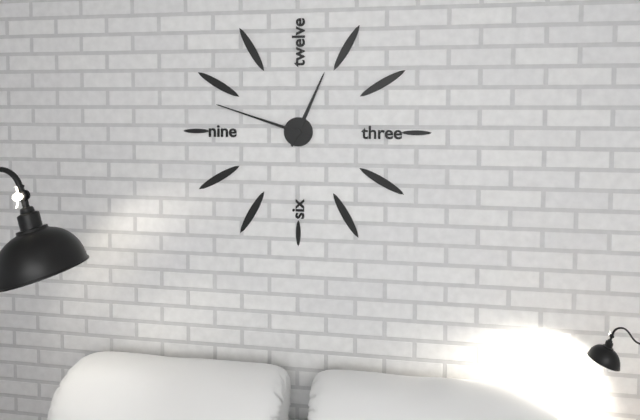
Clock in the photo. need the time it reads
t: 12:48
